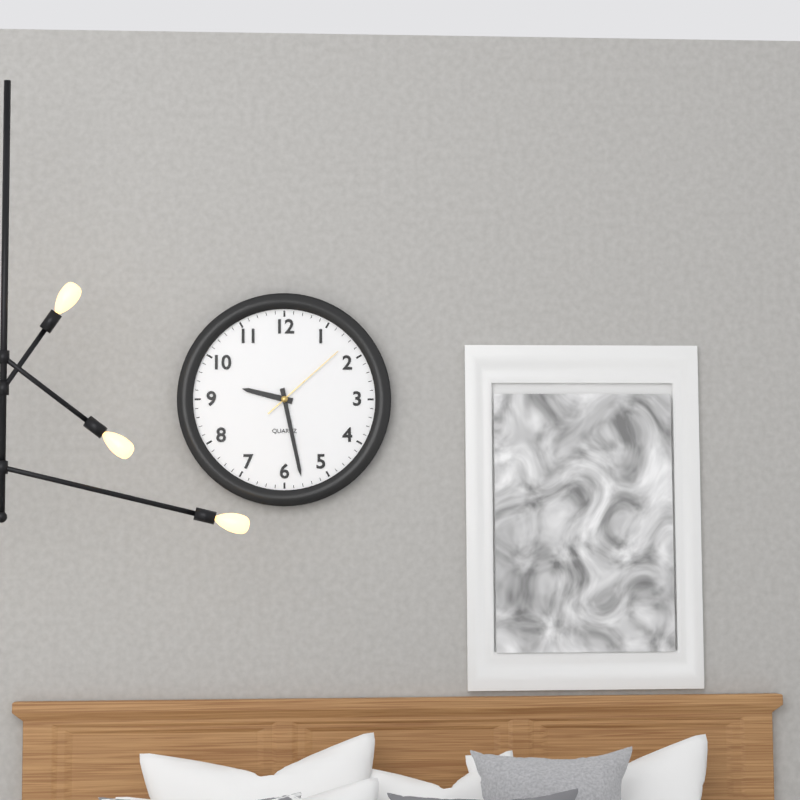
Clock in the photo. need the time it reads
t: 9:28:08
